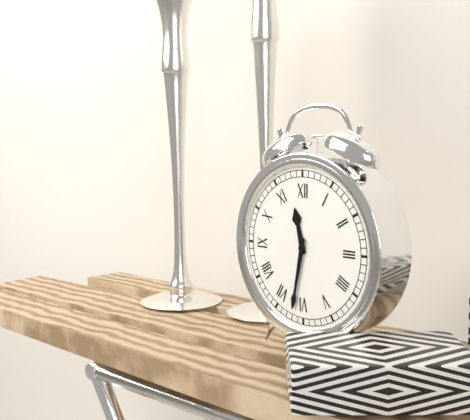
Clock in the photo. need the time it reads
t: 11:32
